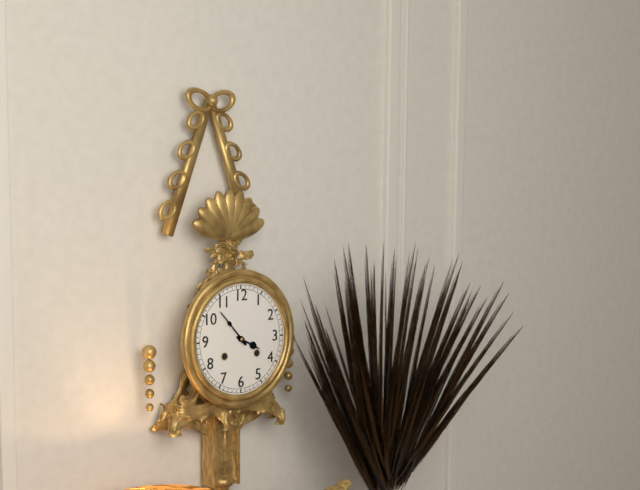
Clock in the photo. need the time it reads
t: 3:53
